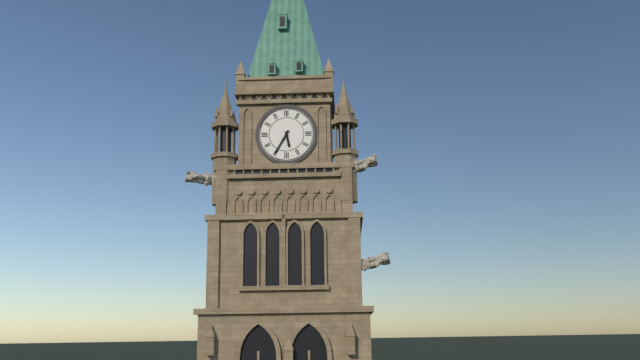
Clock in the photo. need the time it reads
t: 5:35
